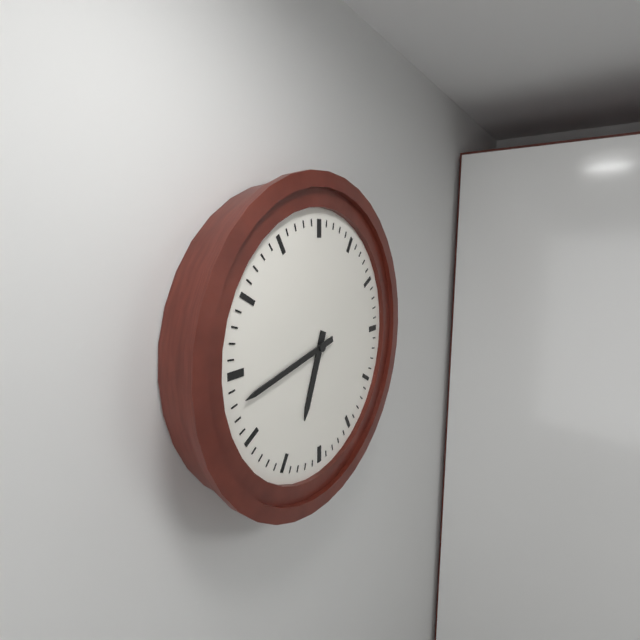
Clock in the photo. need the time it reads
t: 6:43
